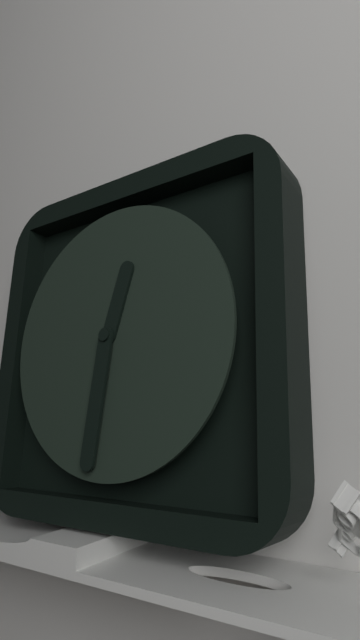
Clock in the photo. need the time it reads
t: 12:31
